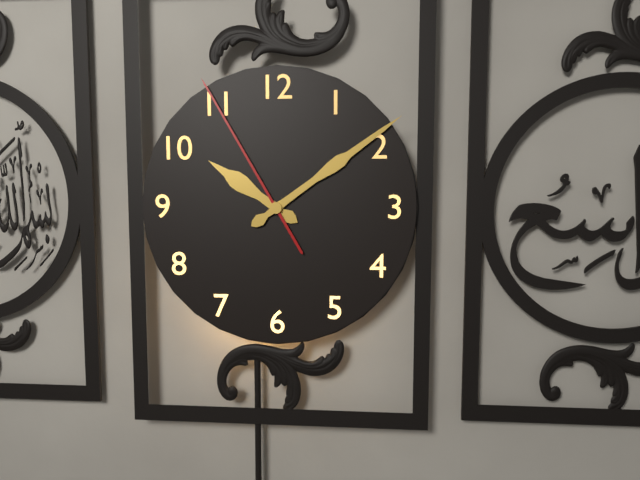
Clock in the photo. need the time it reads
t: 10:09:55
